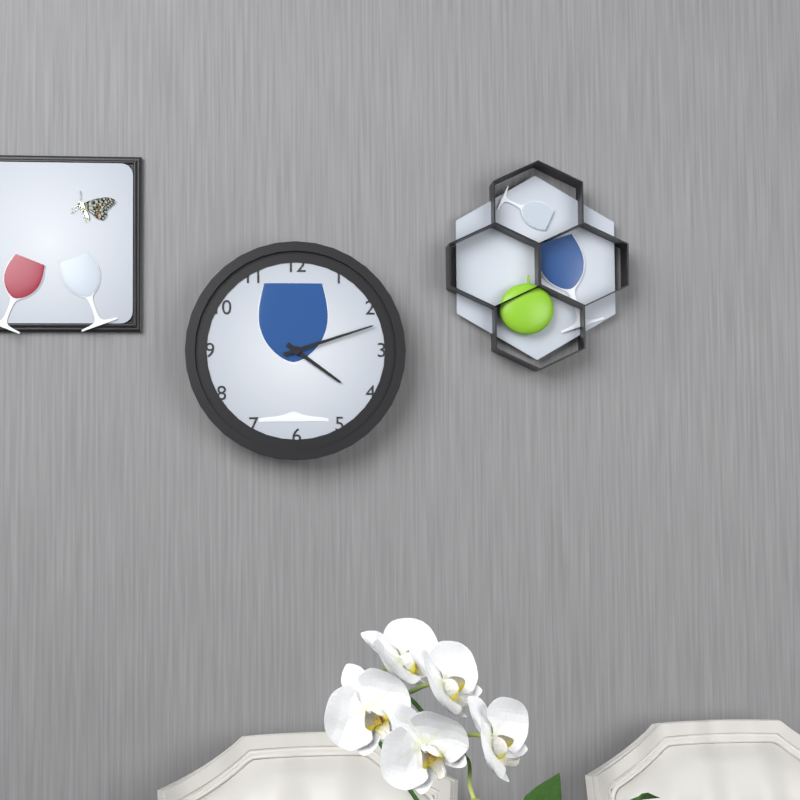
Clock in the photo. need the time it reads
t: 4:12
